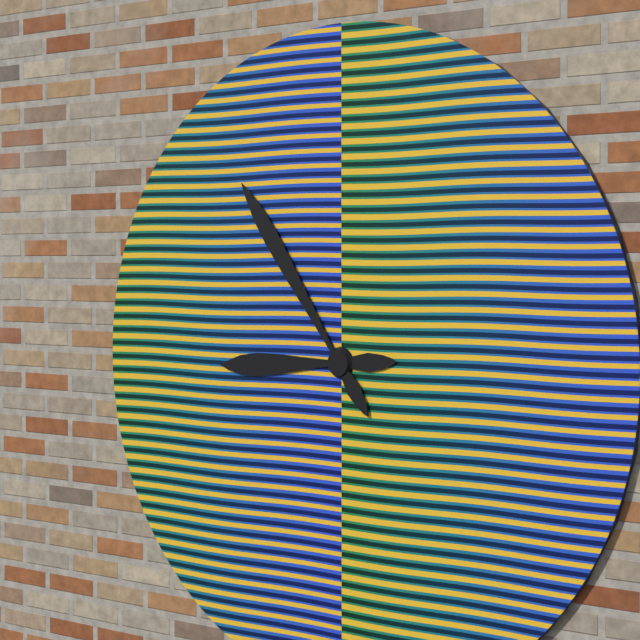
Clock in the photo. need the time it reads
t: 8:54
